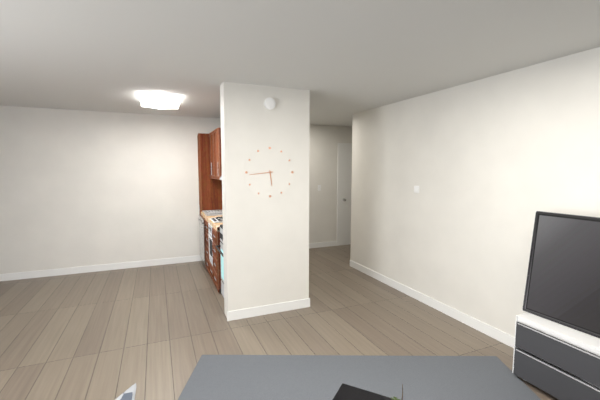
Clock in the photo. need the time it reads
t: 5:44
